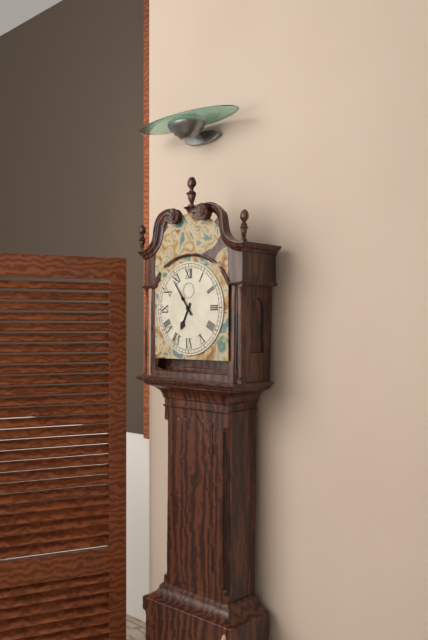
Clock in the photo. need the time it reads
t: 6:54
